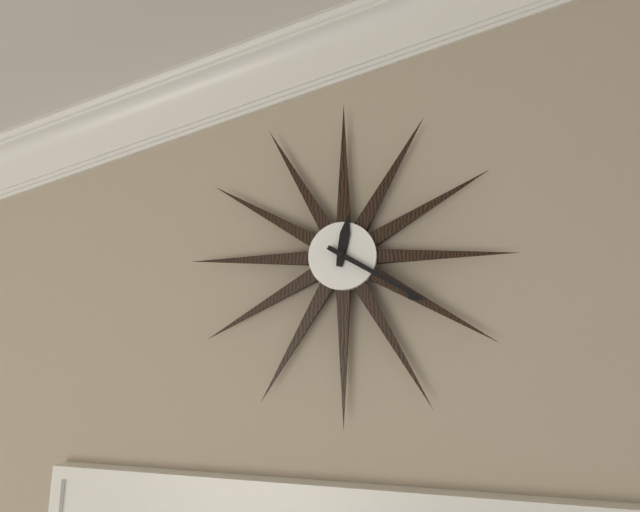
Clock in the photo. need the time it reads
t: 12:20
